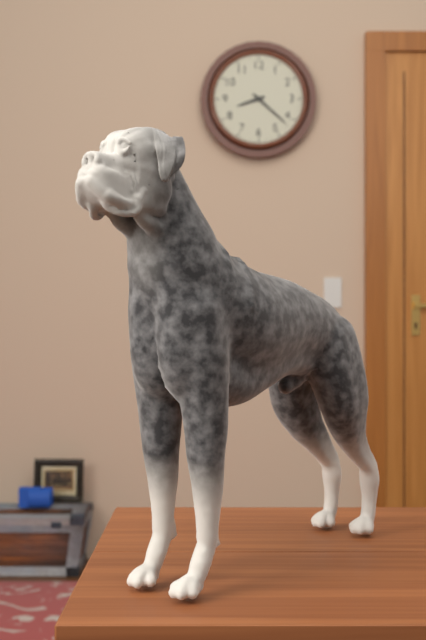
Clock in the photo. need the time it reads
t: 8:22
